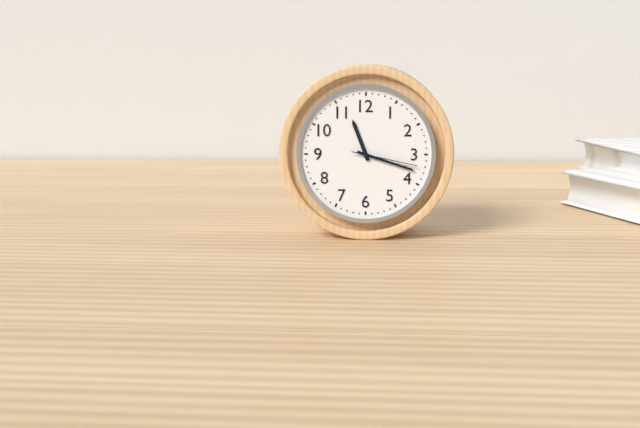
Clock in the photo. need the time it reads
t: 11:18:17
